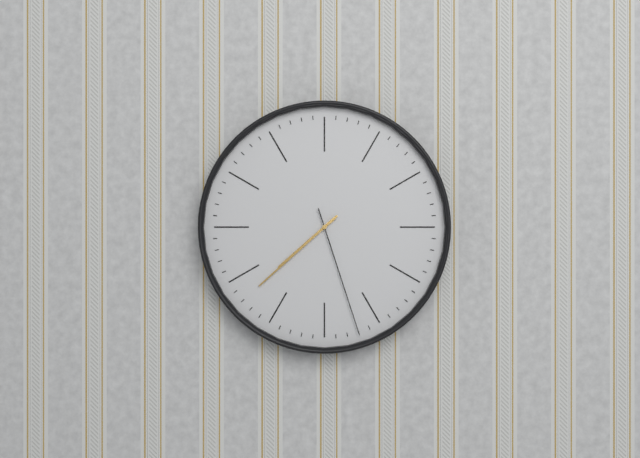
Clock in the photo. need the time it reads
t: 7:38:27
